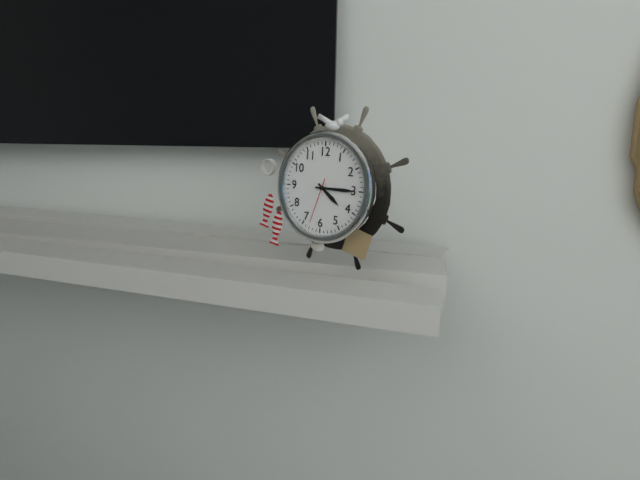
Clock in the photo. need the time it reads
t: 4:15
